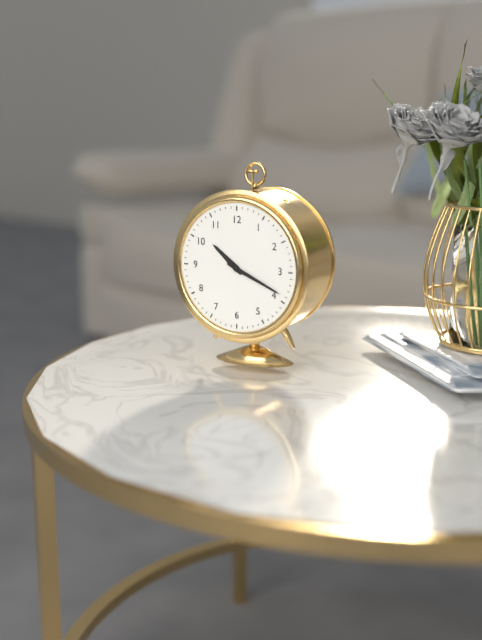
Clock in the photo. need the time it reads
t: 10:19
